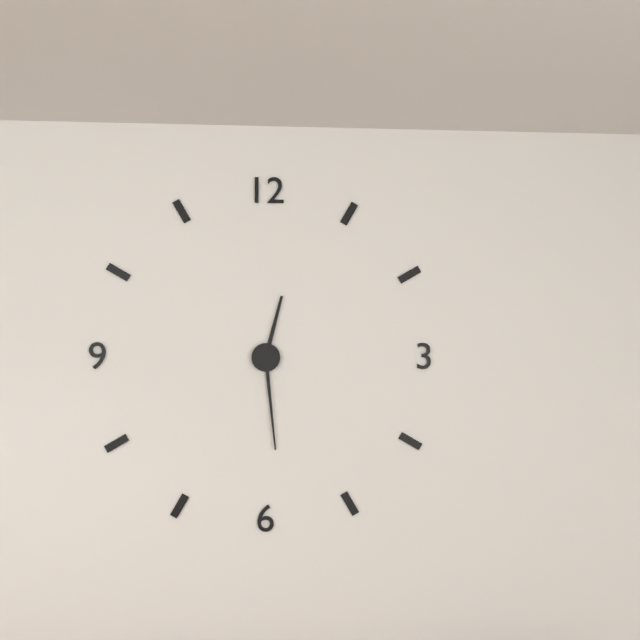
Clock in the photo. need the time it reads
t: 12:29
